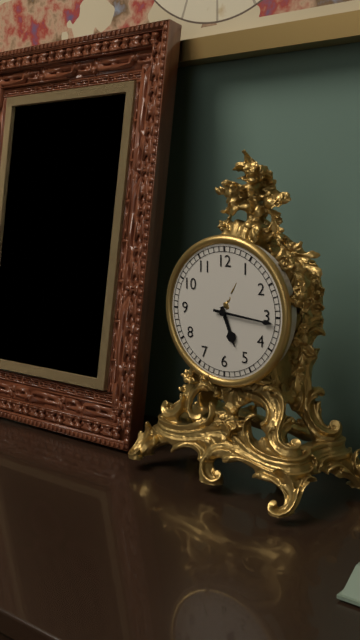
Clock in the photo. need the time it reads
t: 5:16
